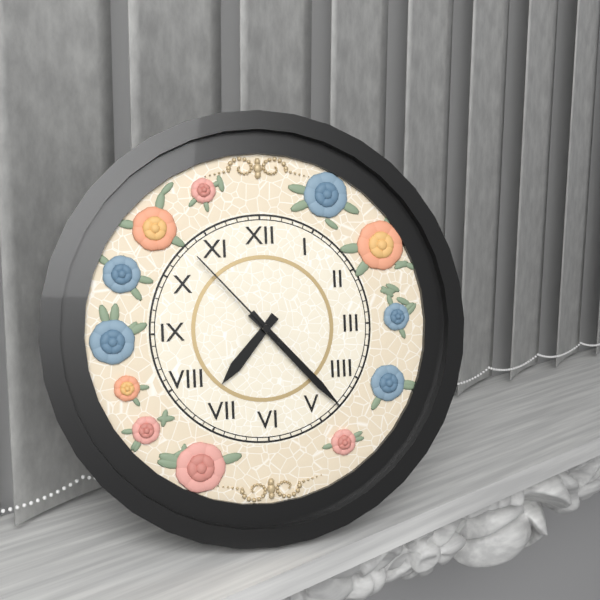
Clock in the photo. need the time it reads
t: 7:23:53
